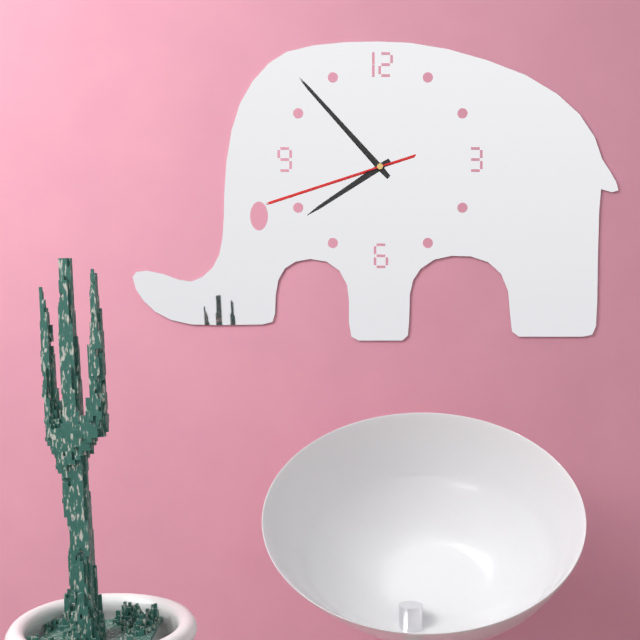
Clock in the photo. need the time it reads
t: 7:53:42
